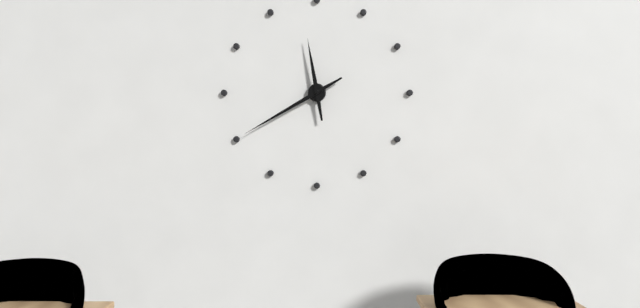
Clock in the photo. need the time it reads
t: 11:40
